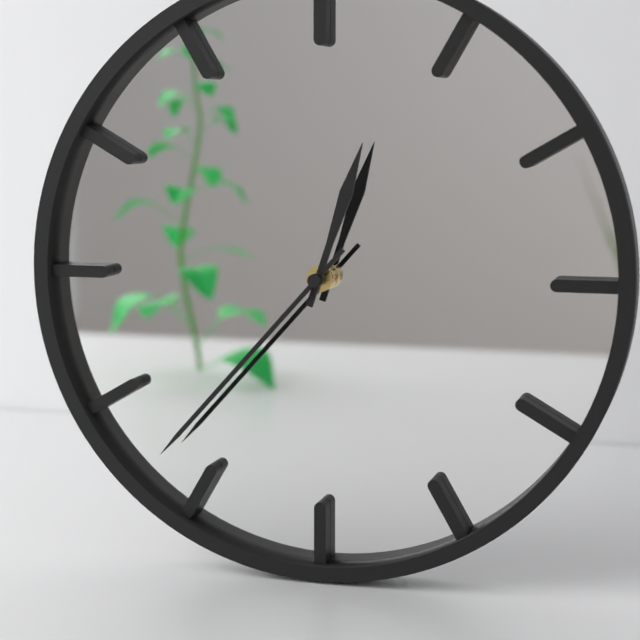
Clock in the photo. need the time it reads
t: 12:37
